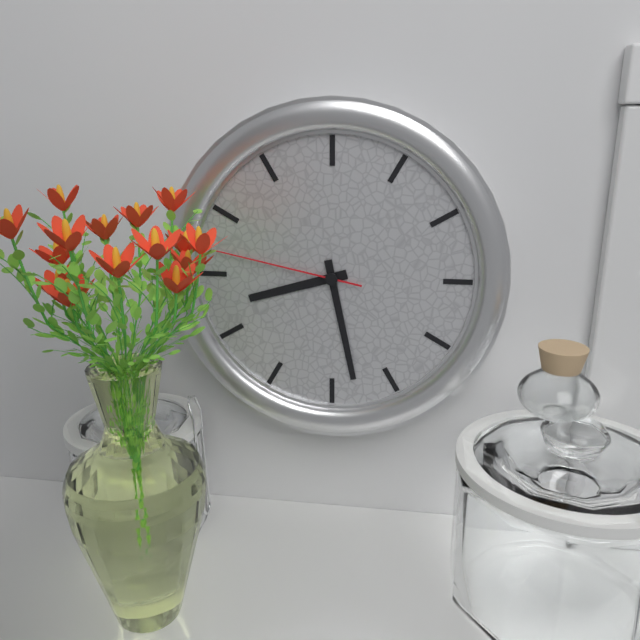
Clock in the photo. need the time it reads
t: 8:28:47
